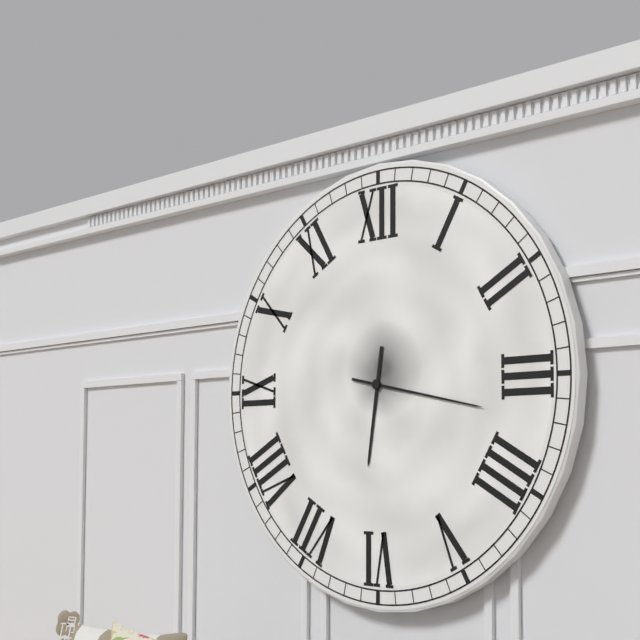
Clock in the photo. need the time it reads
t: 6:17
